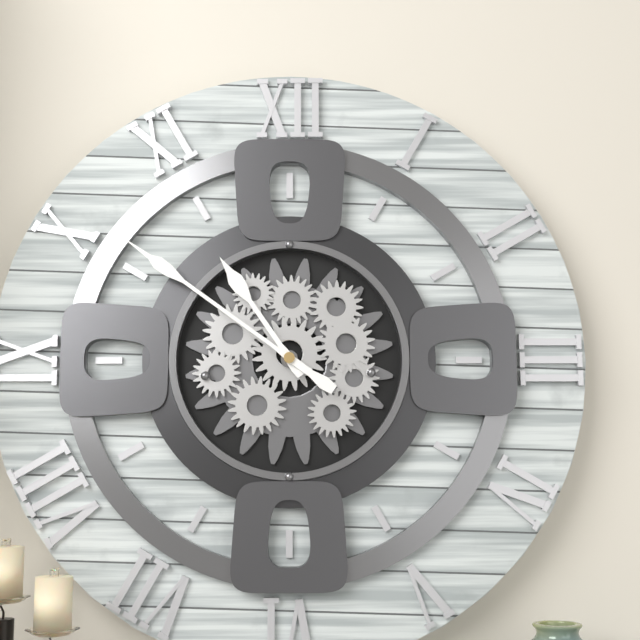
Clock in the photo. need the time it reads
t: 10:51
